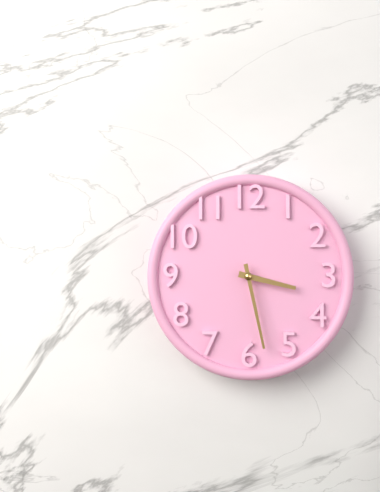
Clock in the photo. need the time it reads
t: 3:28
